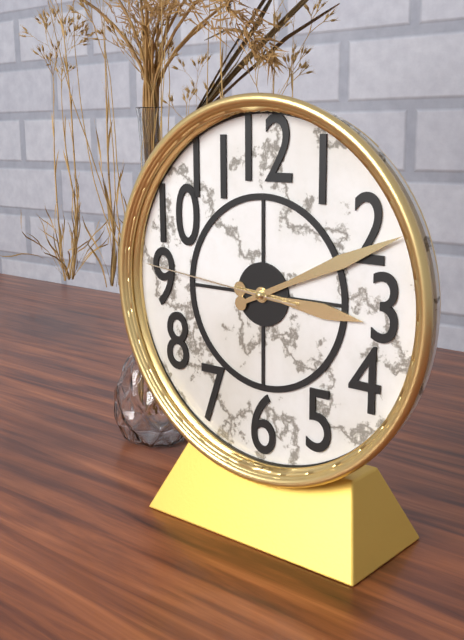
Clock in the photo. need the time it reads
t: 3:11:46
